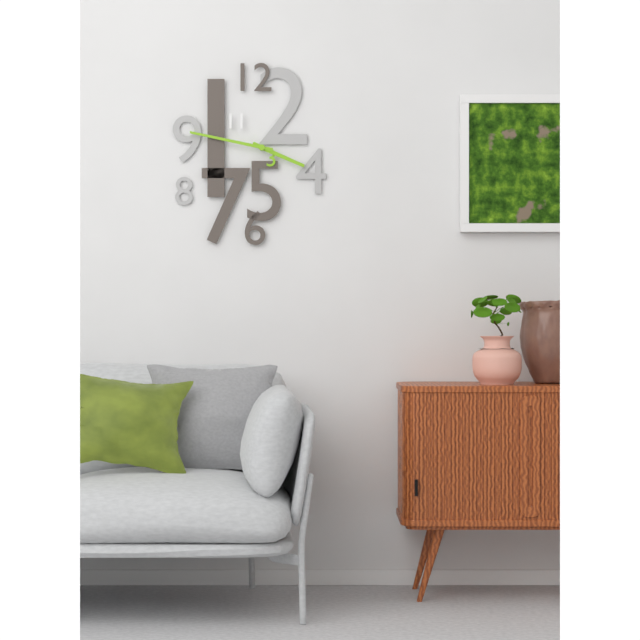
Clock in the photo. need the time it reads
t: 3:47
